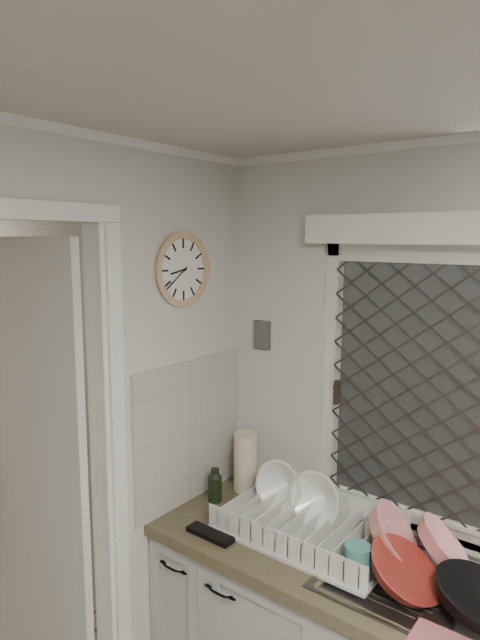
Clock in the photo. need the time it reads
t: 8:39
